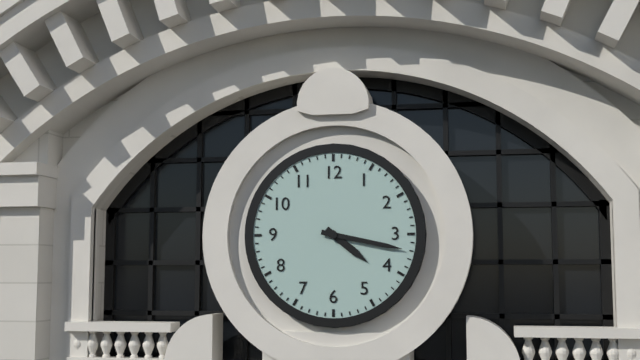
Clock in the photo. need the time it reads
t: 4:17
